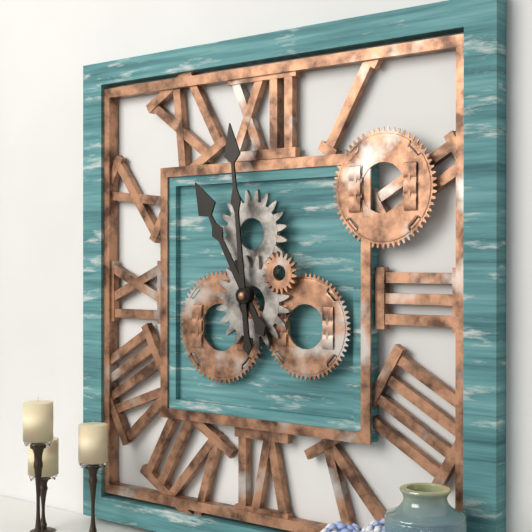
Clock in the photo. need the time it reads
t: 10:59
